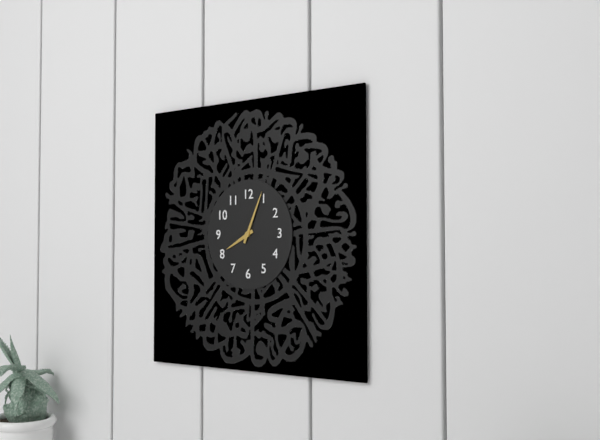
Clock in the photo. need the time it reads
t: 8:04
